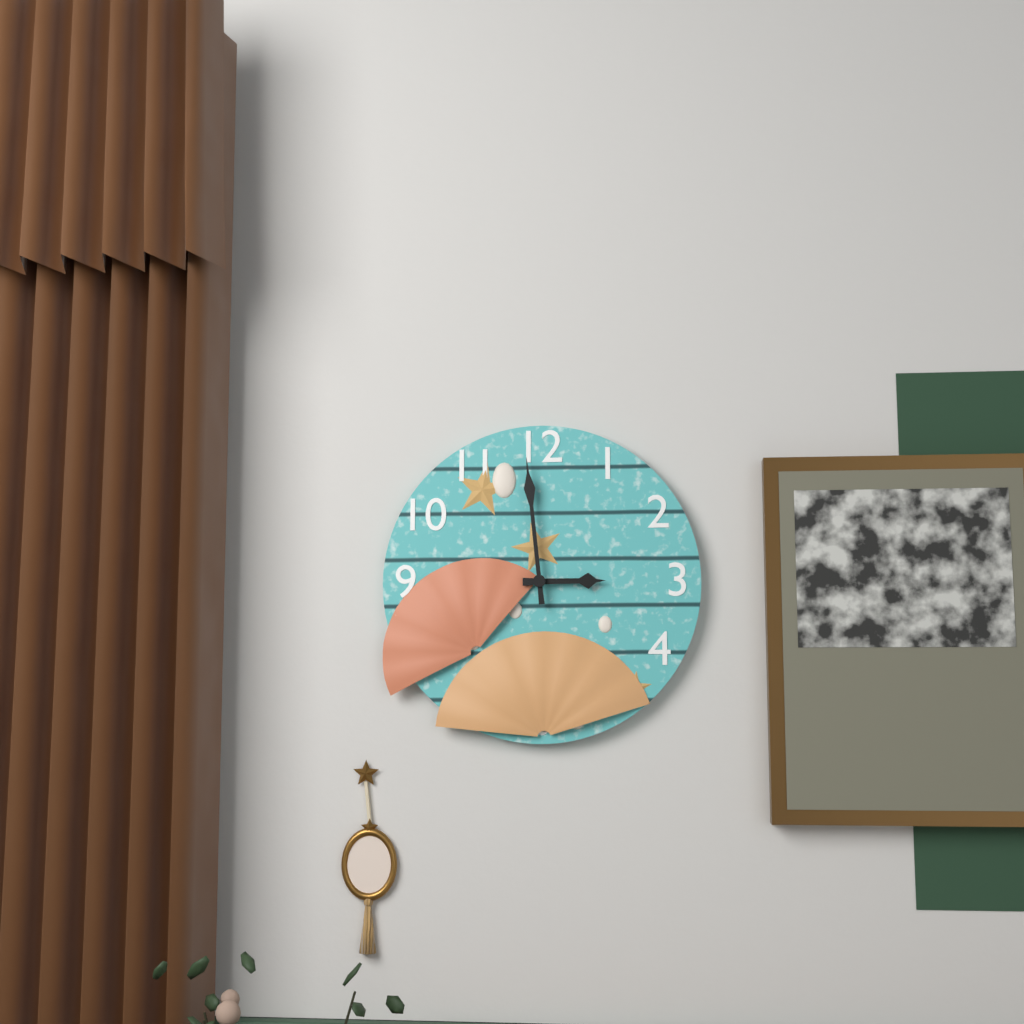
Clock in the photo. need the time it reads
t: 2:59
